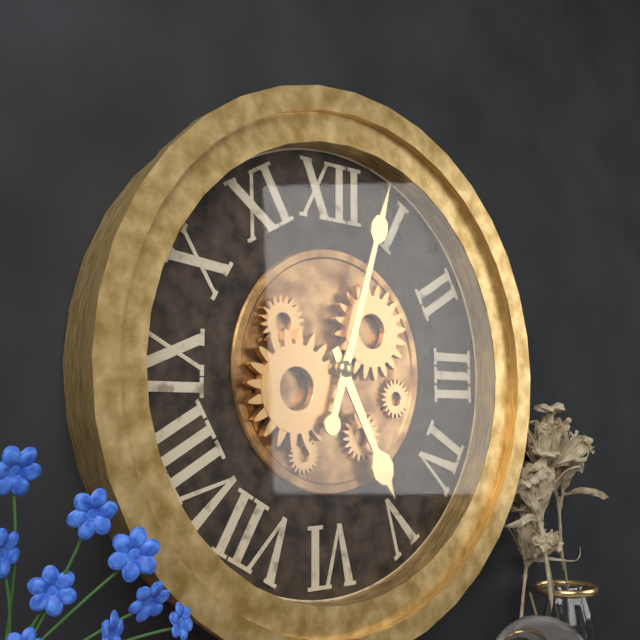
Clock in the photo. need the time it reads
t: 5:03
